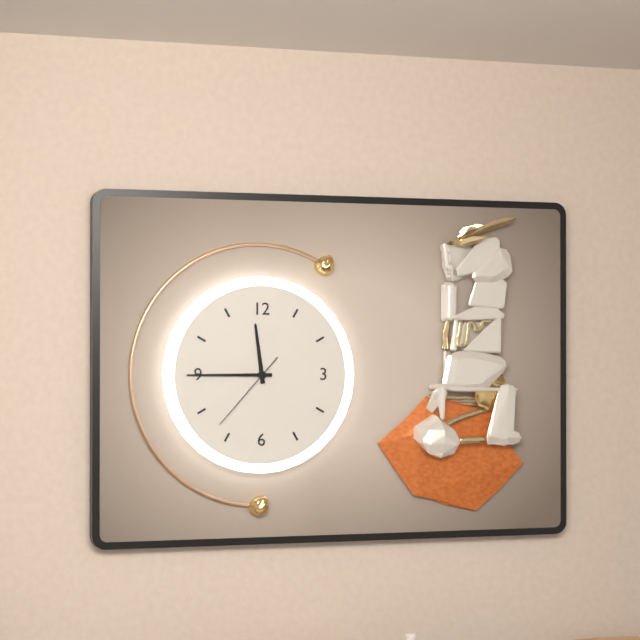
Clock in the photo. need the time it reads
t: 11:45:37
